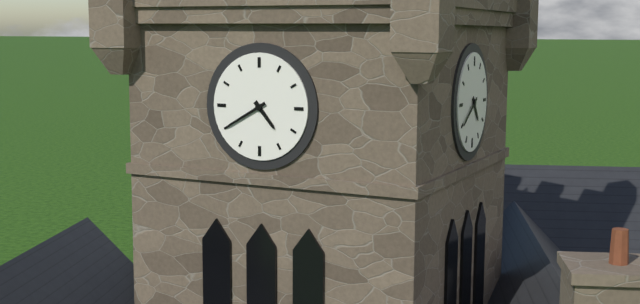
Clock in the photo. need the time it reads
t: 4:40
